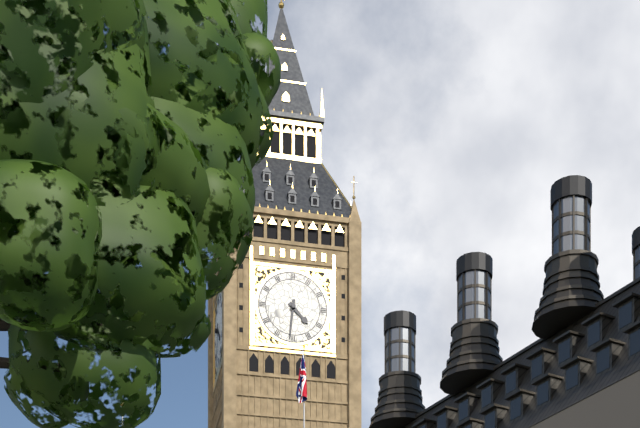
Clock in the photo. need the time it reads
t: 4:31
